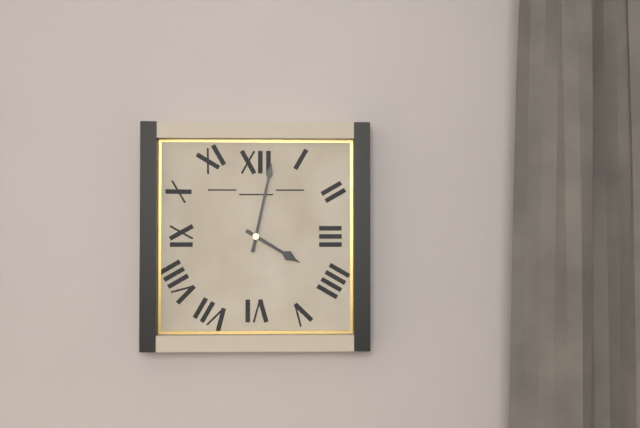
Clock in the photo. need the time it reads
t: 4:02
